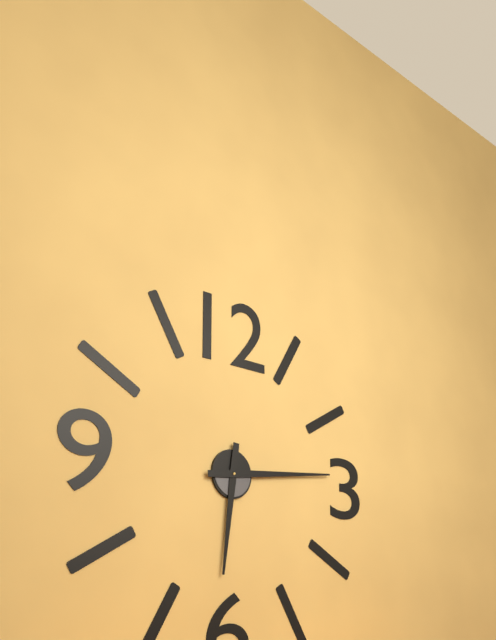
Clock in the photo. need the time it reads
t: 6:14
